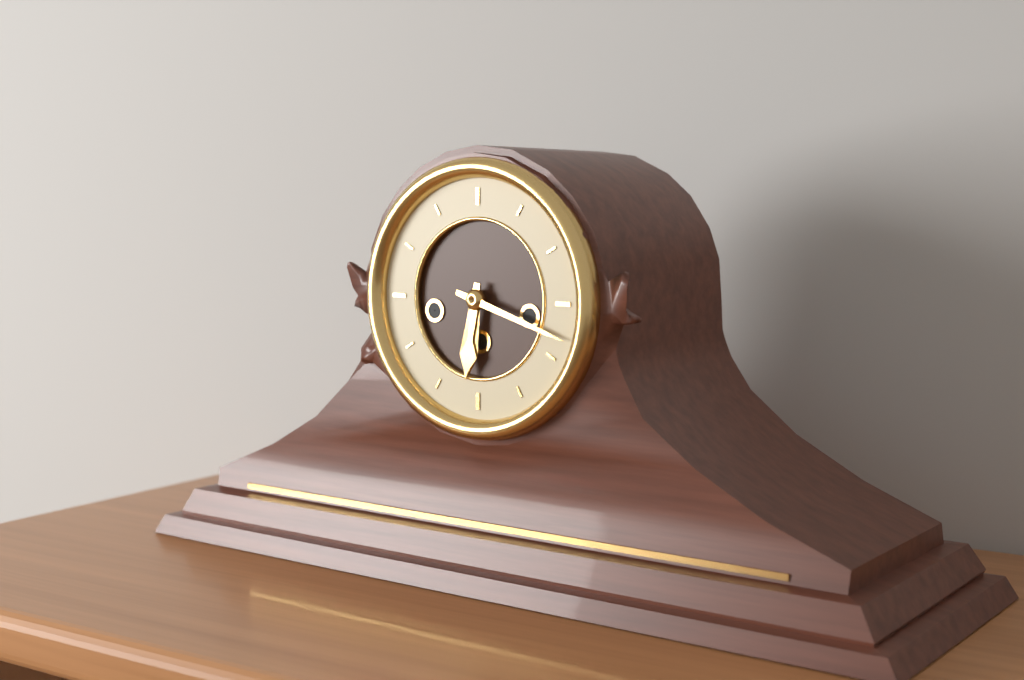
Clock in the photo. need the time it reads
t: 6:18
